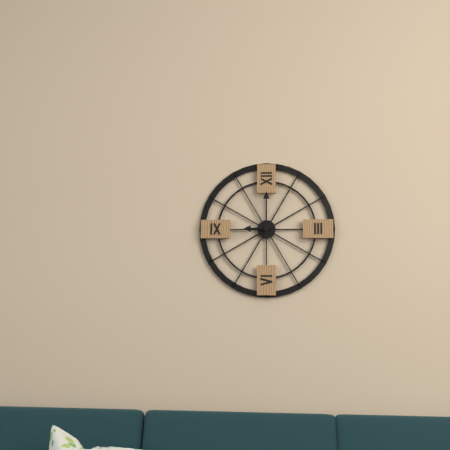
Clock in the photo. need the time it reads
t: 9:00
